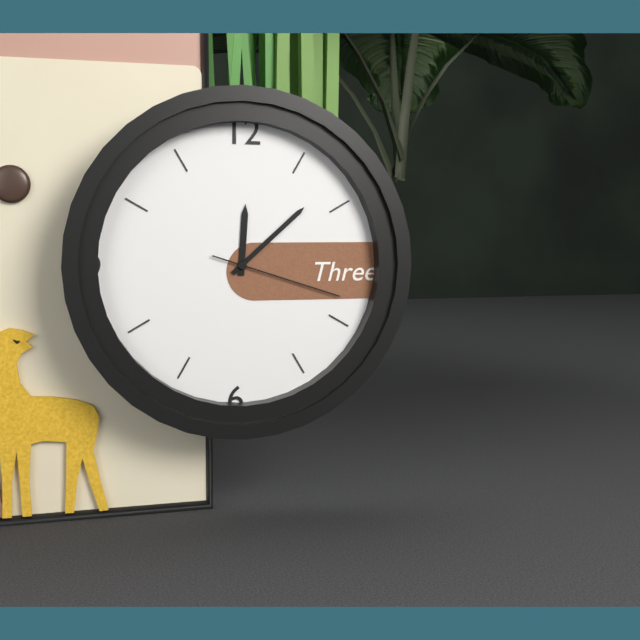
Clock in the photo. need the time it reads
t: 12:08:18
